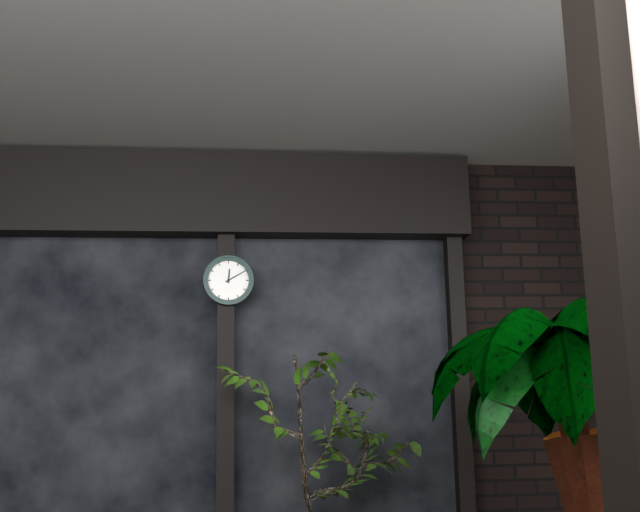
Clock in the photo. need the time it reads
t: 12:10
